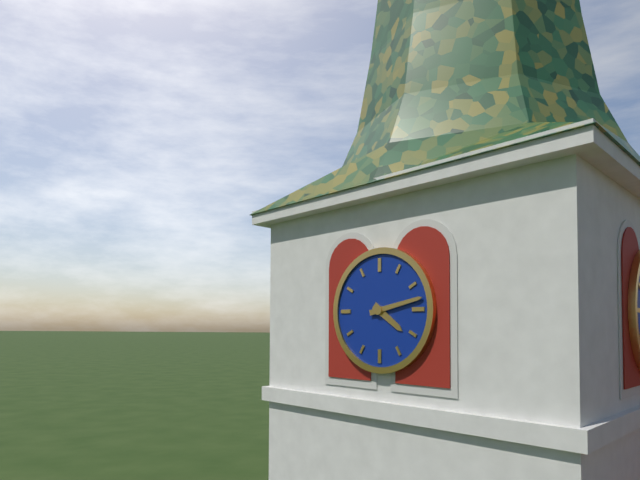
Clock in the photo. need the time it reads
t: 4:13
